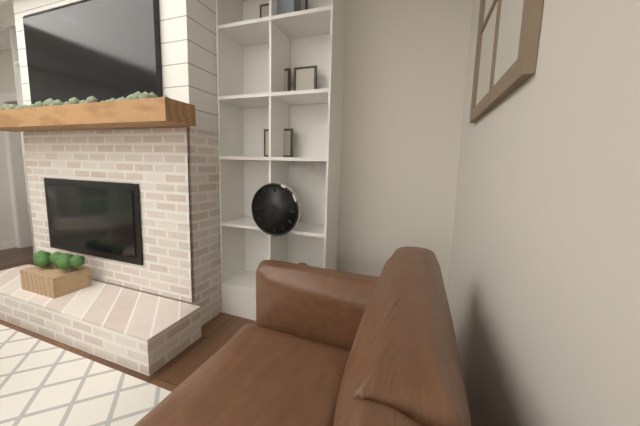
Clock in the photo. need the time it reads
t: 6:35
